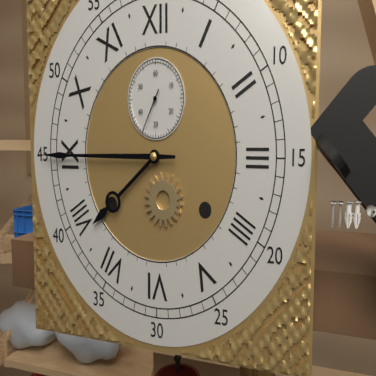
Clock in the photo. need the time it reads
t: 7:45
